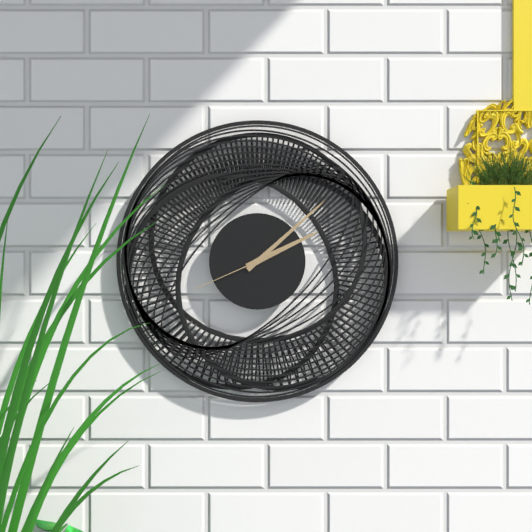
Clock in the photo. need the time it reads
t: 2:08:41
